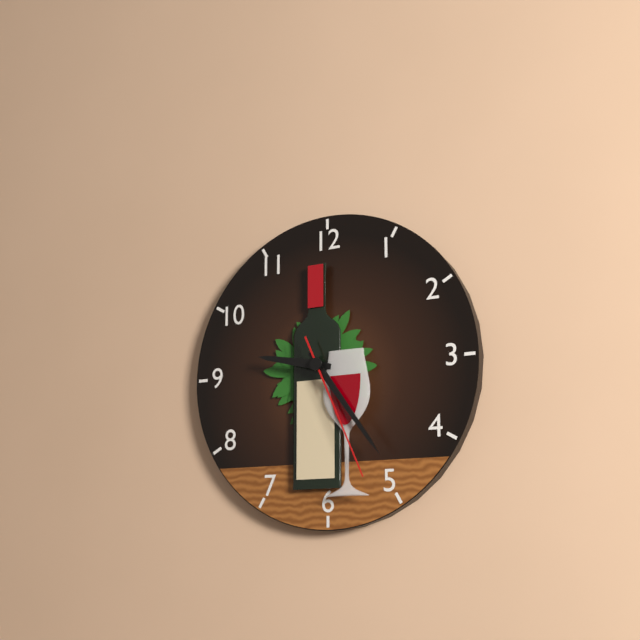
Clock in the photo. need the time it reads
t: 9:24:26
